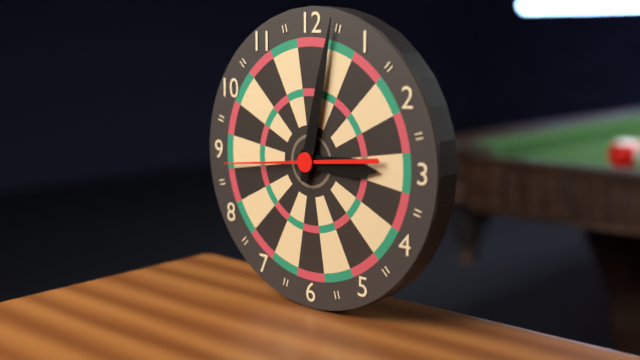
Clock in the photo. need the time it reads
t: 3:02:44
